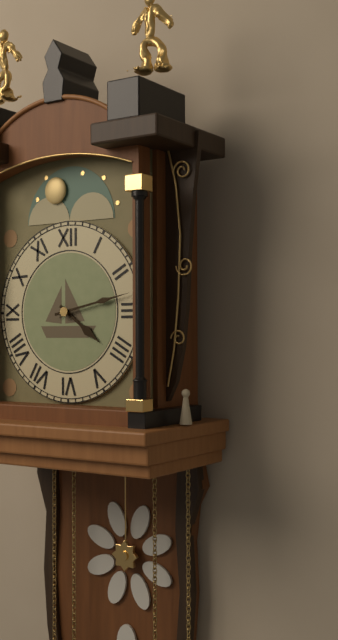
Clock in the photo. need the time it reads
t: 4:13
